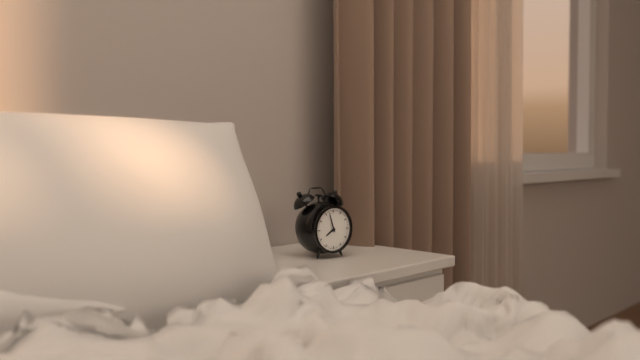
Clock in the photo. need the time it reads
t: 7:57
